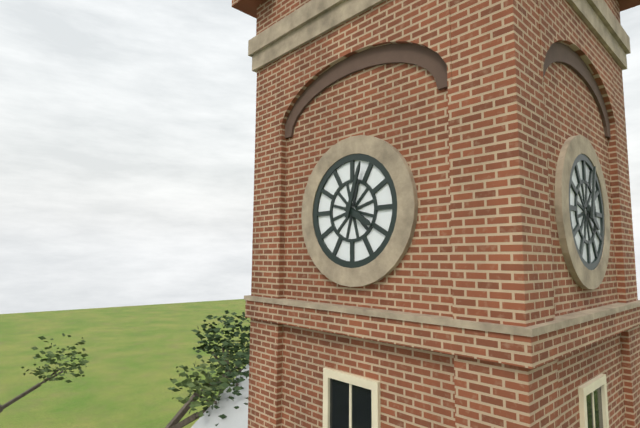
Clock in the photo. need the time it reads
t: 4:03
